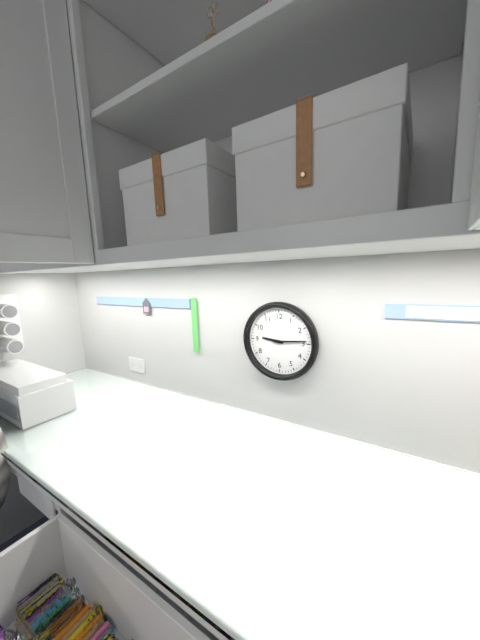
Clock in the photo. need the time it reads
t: 9:14
